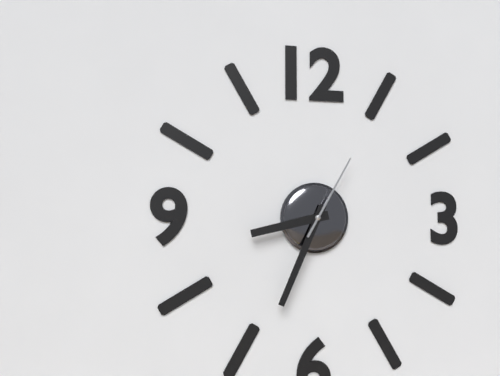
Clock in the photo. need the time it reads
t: 8:34:05
